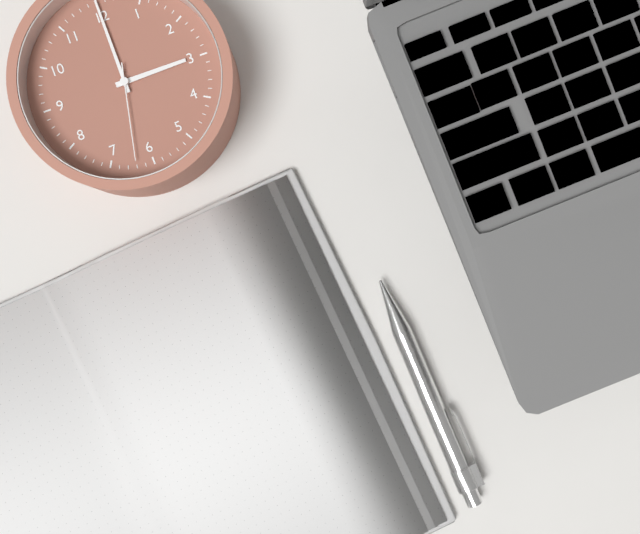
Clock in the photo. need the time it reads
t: 3:00:32
